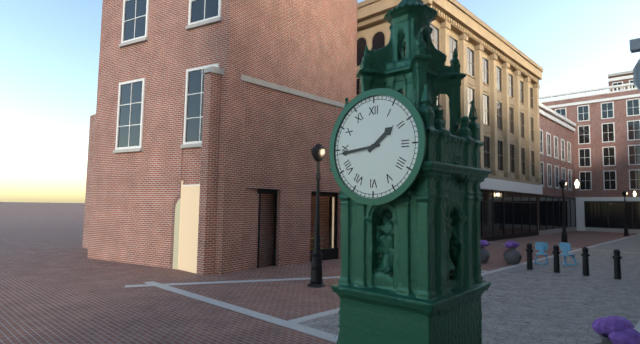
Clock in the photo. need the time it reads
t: 1:44
